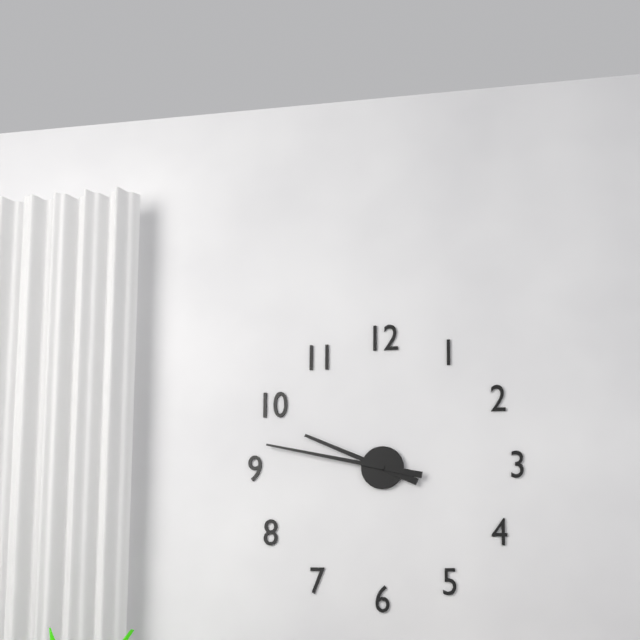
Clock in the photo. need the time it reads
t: 9:47
